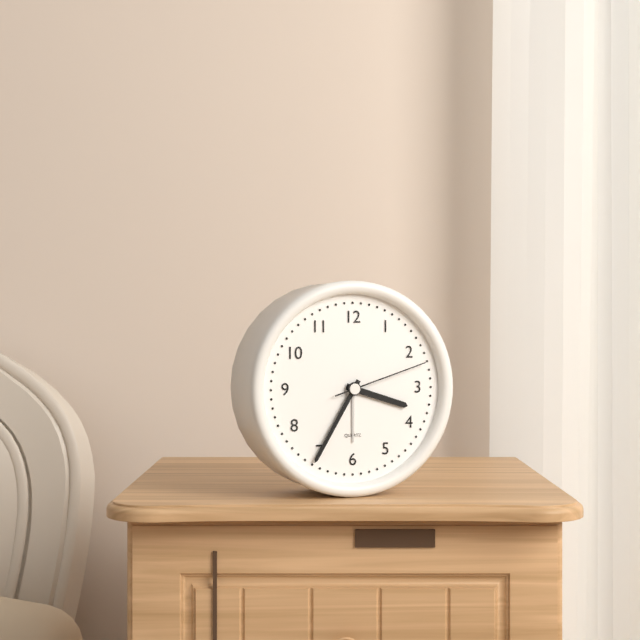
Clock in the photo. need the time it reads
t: 3:35:12
